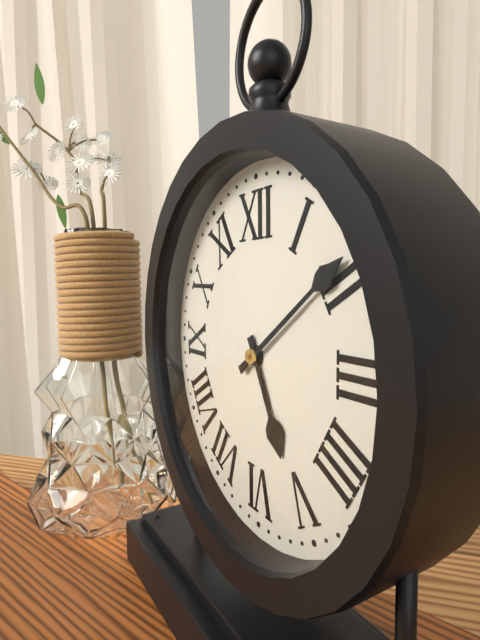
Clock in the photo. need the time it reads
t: 5:09
